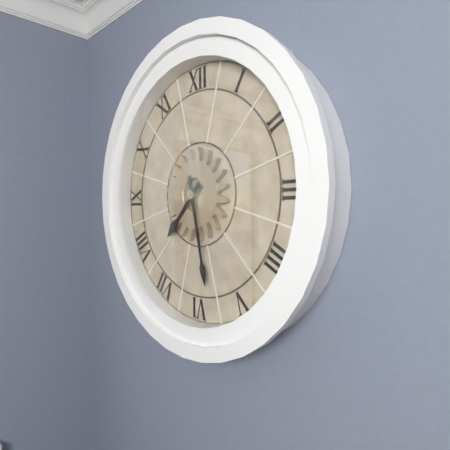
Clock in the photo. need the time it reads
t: 7:28
